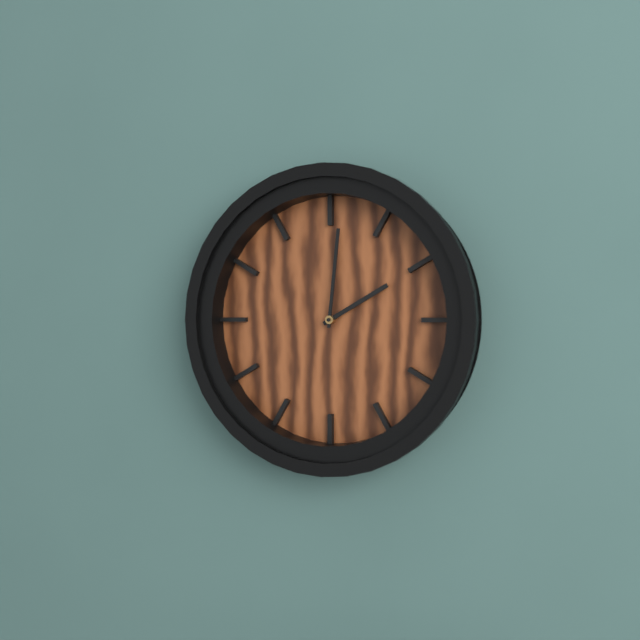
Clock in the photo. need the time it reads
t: 2:01
